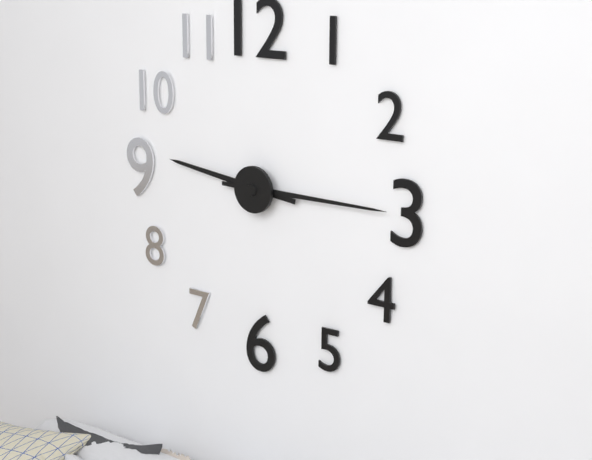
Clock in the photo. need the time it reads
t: 9:15
